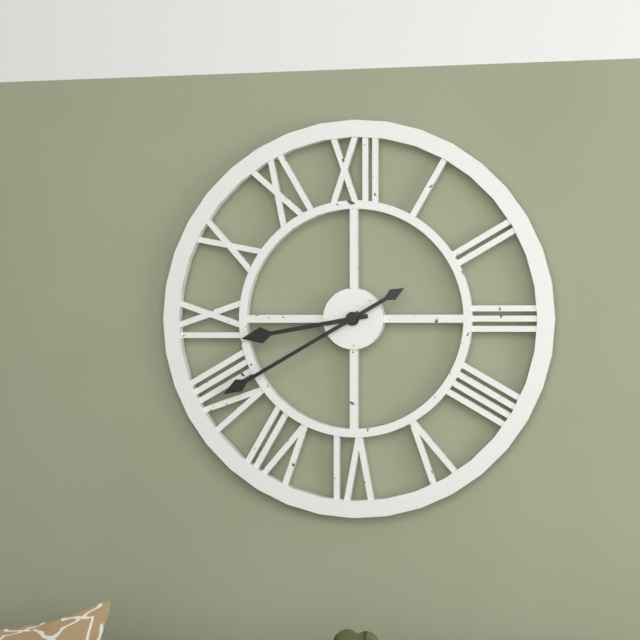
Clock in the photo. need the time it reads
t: 8:40
